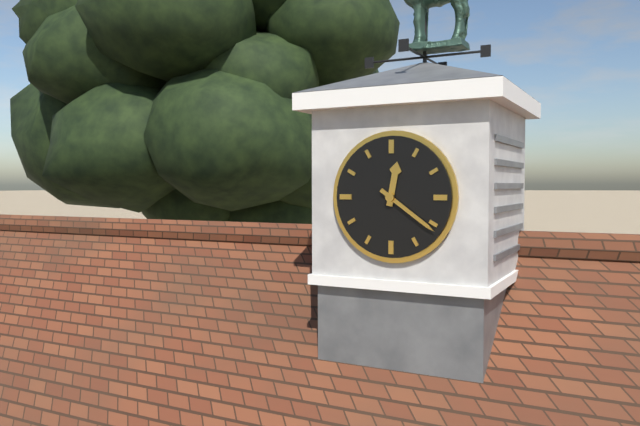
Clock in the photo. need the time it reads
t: 12:21
